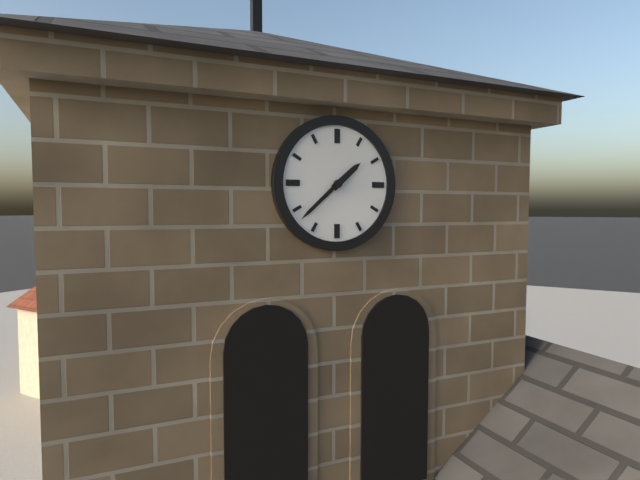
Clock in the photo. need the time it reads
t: 1:38
